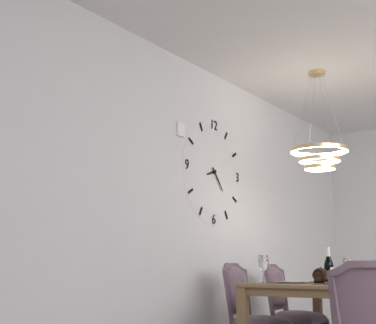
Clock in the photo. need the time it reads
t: 8:23
